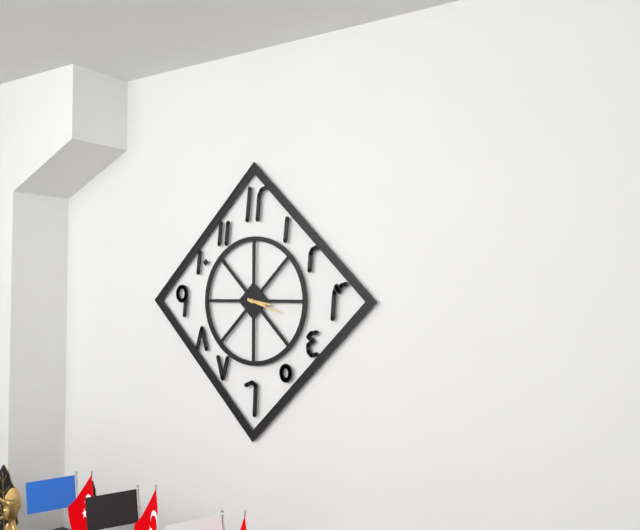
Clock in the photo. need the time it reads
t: 3:18
